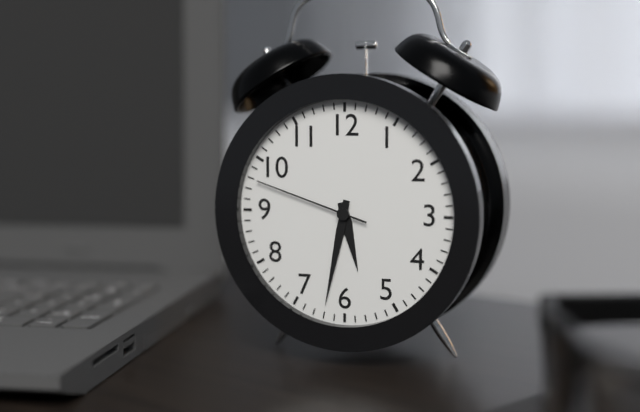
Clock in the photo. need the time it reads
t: 5:32:48
